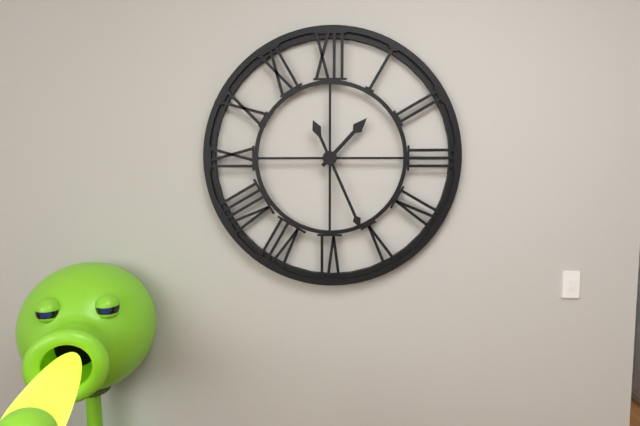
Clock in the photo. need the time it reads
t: 1:26
